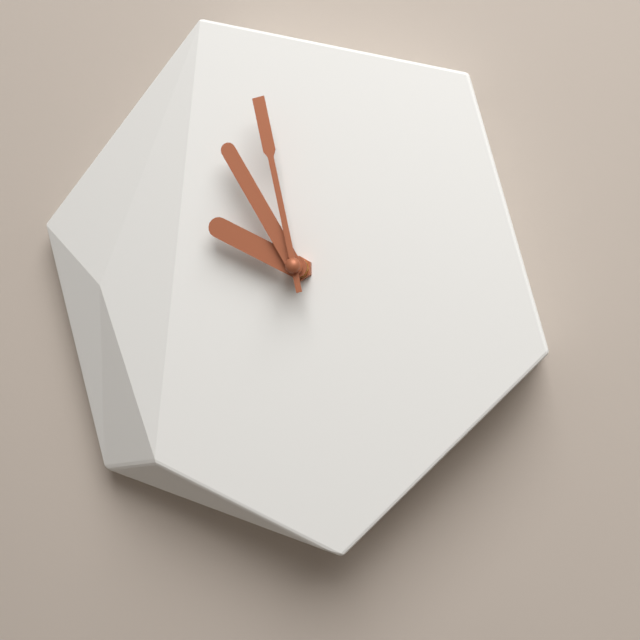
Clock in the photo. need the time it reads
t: 9:55:58
